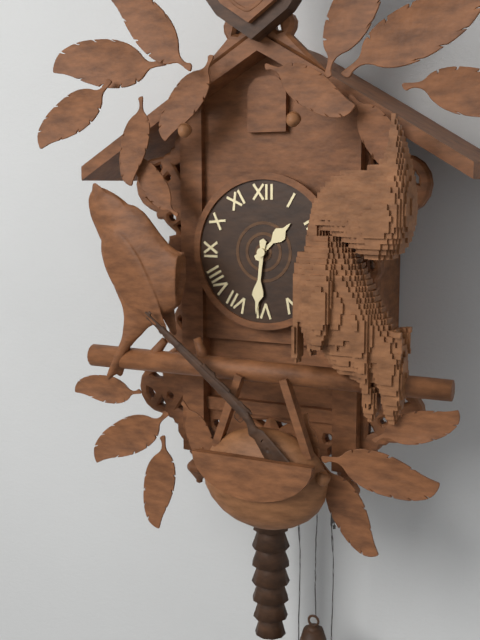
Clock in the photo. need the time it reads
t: 1:31
